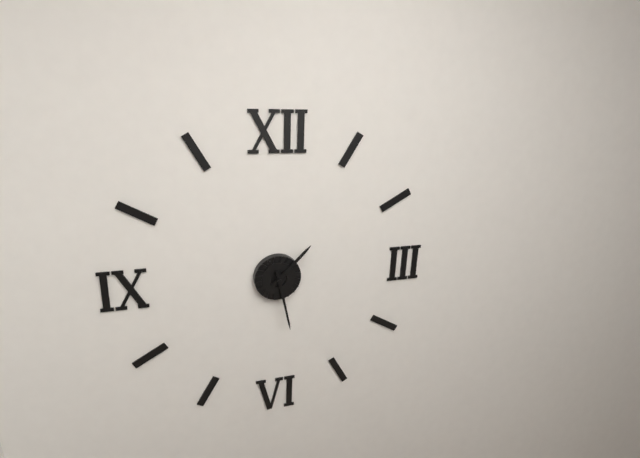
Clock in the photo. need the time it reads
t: 1:28
